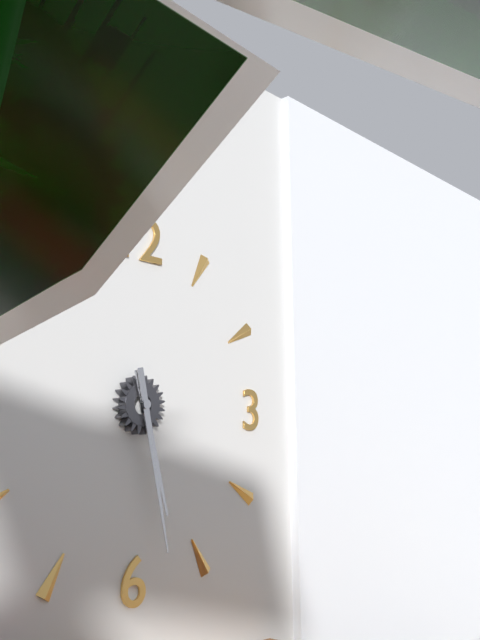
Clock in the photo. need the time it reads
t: 5:28
